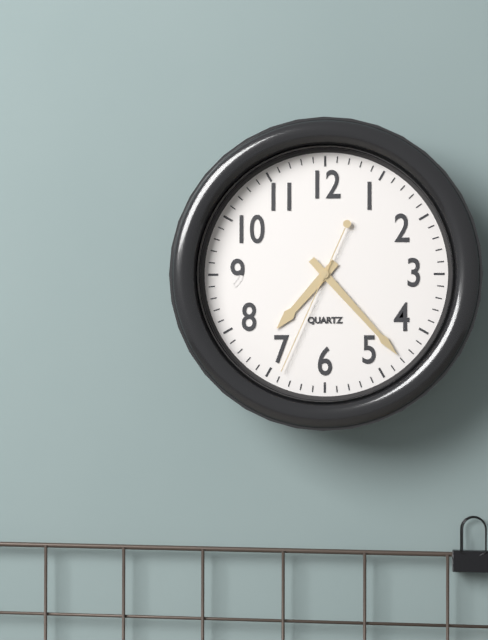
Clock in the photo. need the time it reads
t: 7:23:34
